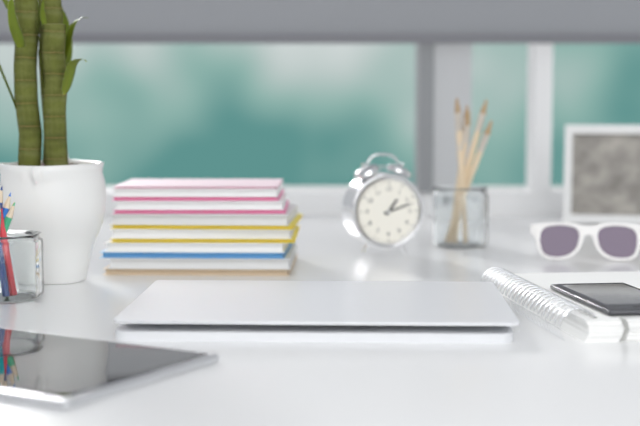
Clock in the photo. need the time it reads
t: 1:12
